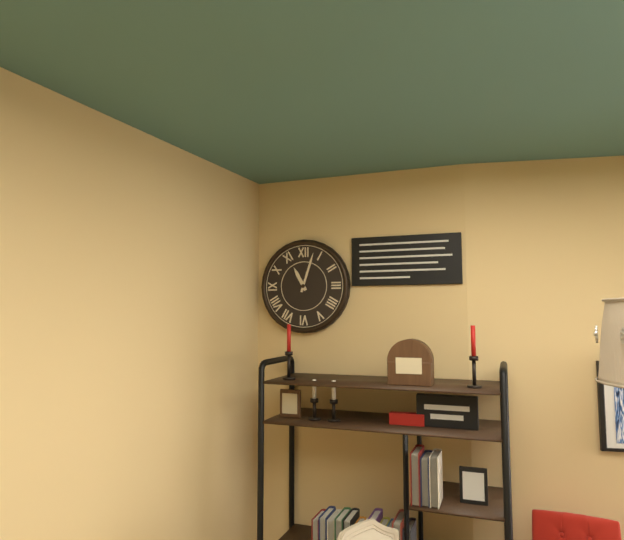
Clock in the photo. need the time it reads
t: 11:03
